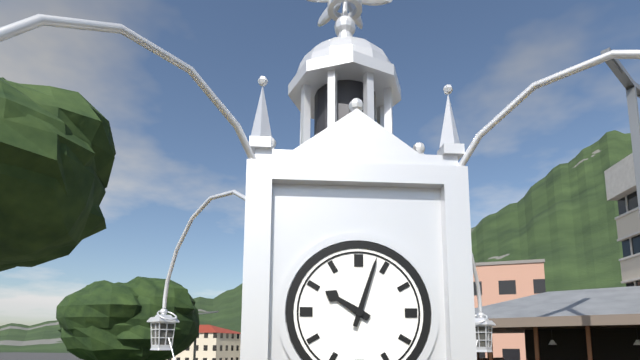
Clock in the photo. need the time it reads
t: 10:03
